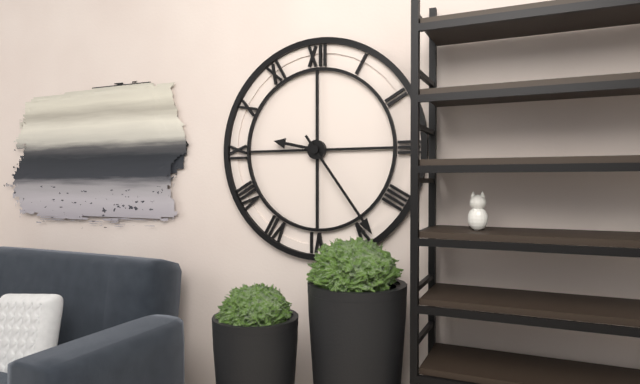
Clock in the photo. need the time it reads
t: 9:24
